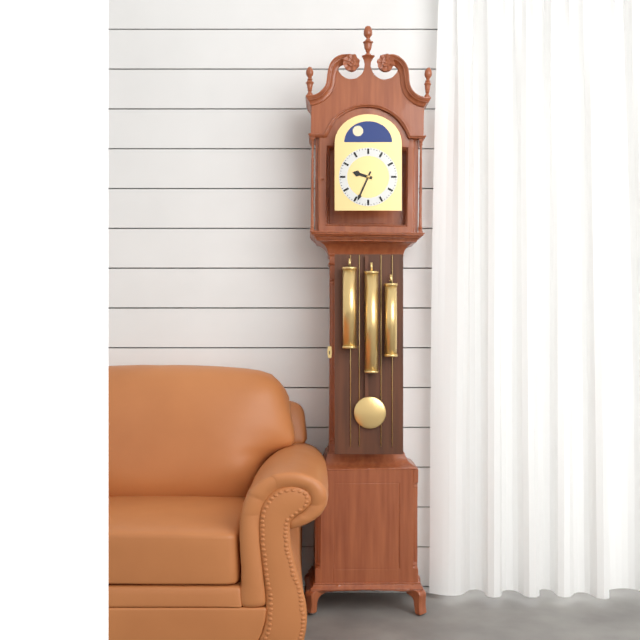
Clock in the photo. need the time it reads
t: 9:34
